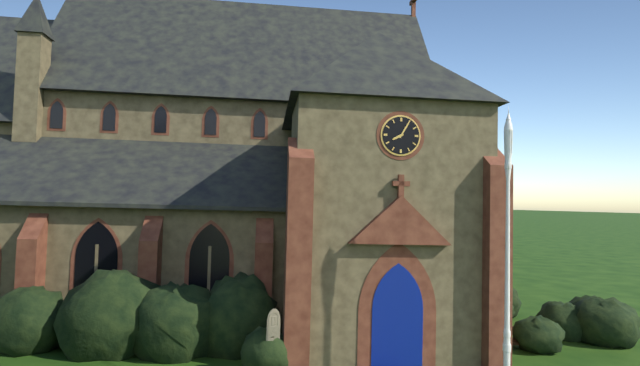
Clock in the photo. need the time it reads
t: 8:05
